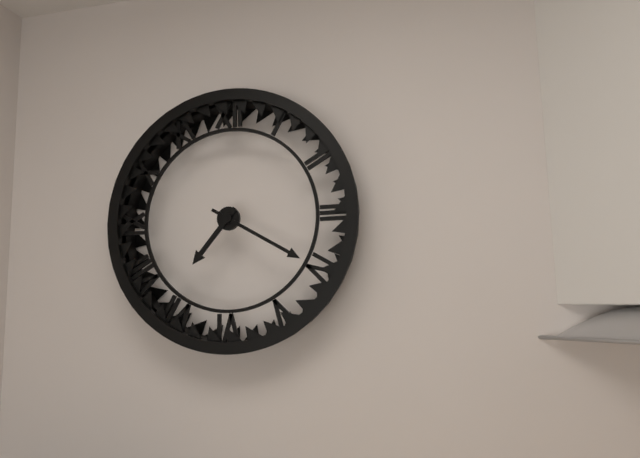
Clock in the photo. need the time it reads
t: 7:20
